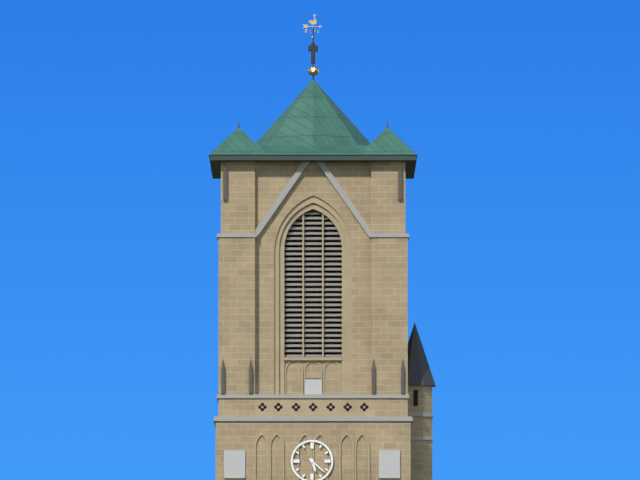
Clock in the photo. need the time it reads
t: 5:22
